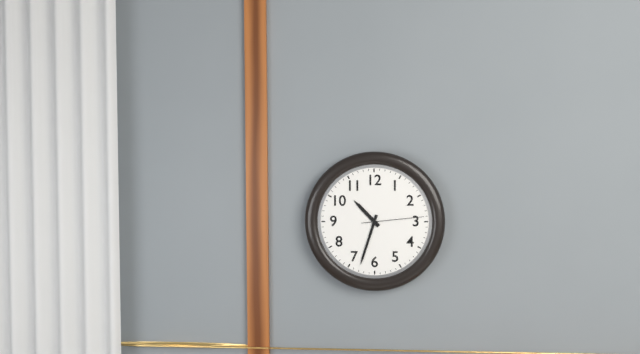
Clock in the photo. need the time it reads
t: 10:33:14
